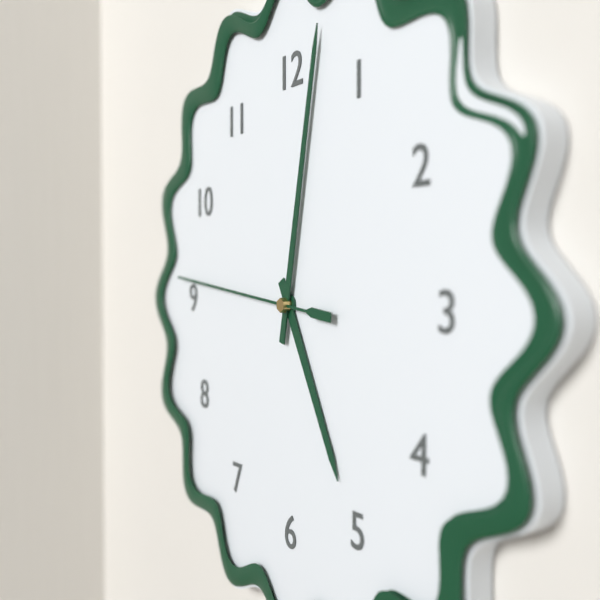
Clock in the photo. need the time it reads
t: 5:02:46
